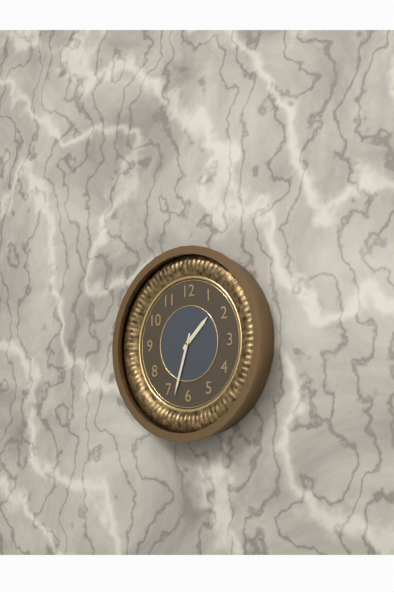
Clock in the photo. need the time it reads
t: 1:33
